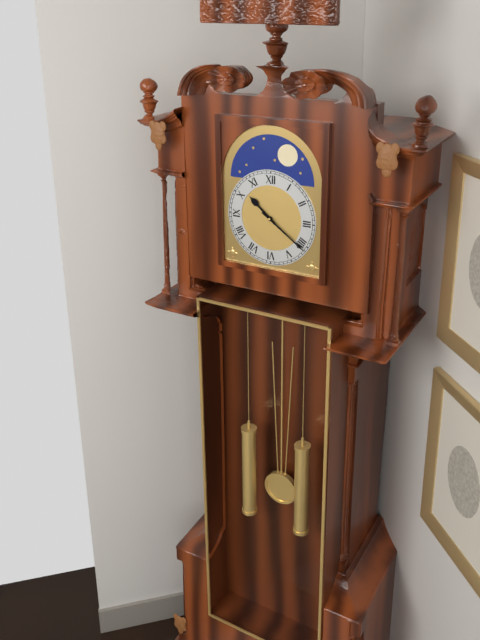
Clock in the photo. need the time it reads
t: 10:21
